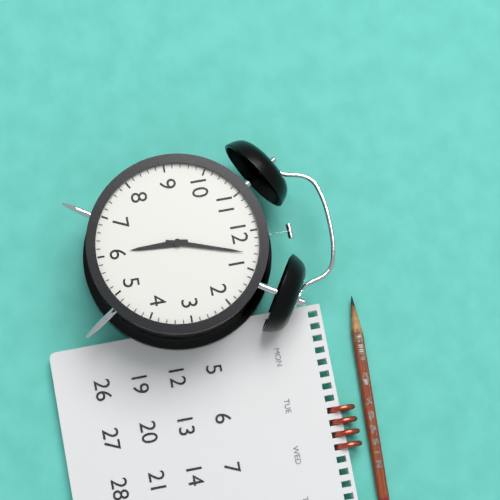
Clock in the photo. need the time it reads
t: 6:03
